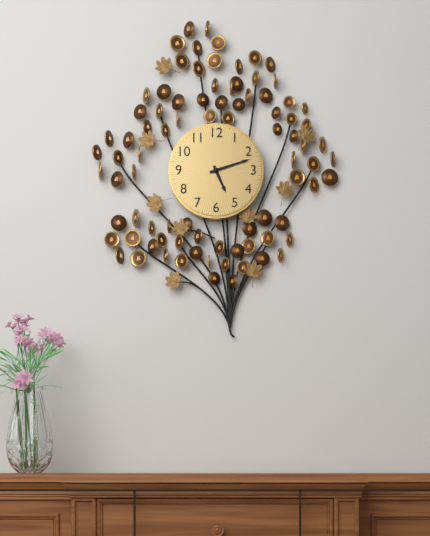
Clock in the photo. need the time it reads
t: 5:12
